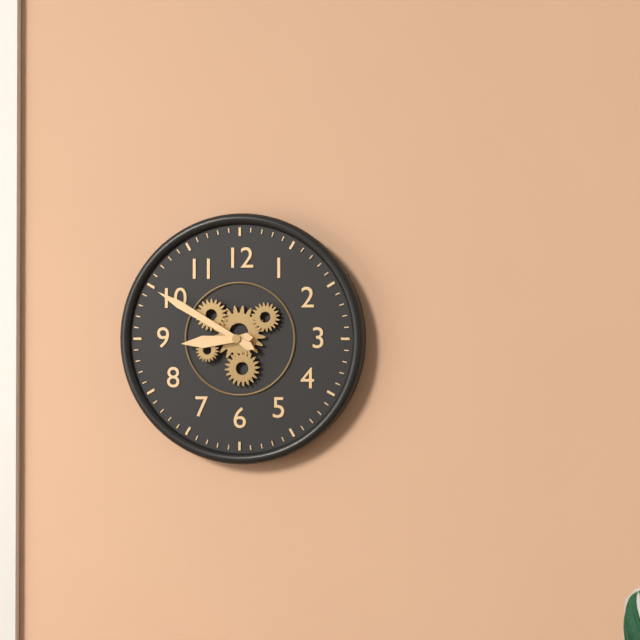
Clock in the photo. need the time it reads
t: 8:50
